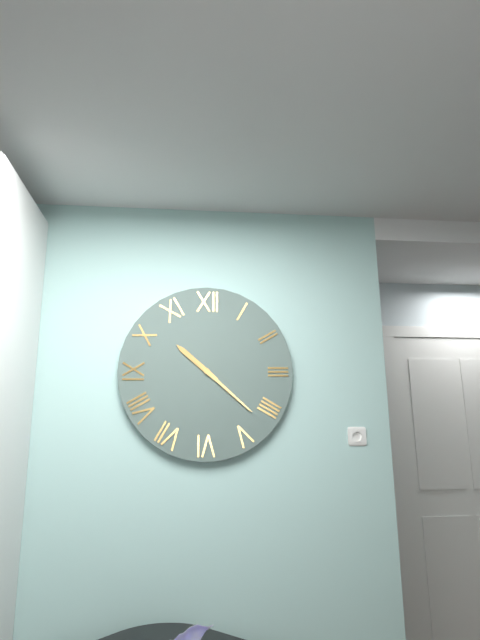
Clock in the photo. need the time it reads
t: 10:22
